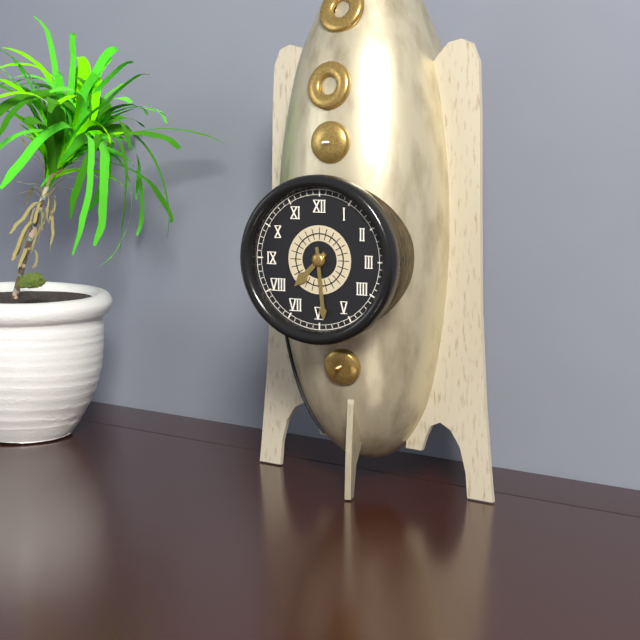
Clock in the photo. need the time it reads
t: 7:29
